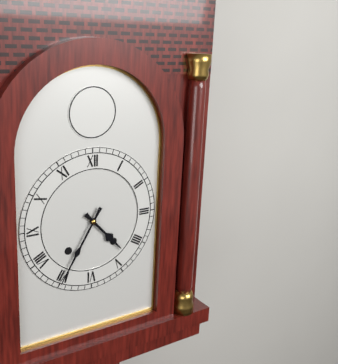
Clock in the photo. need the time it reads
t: 4:35
